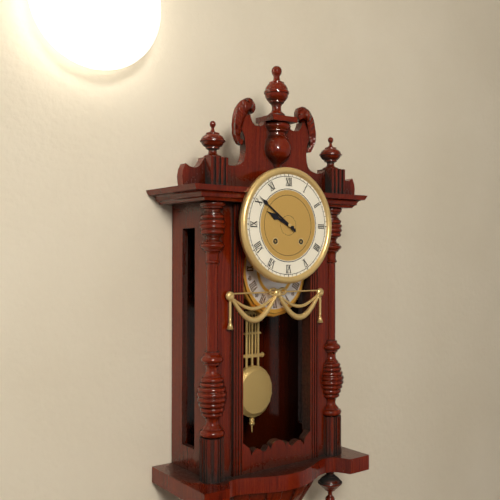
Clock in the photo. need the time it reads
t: 9:51
